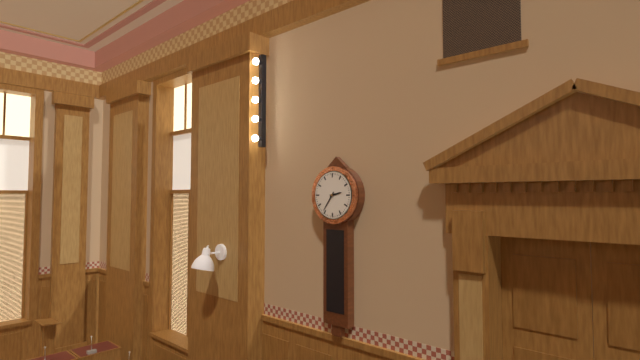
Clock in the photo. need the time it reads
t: 2:36
